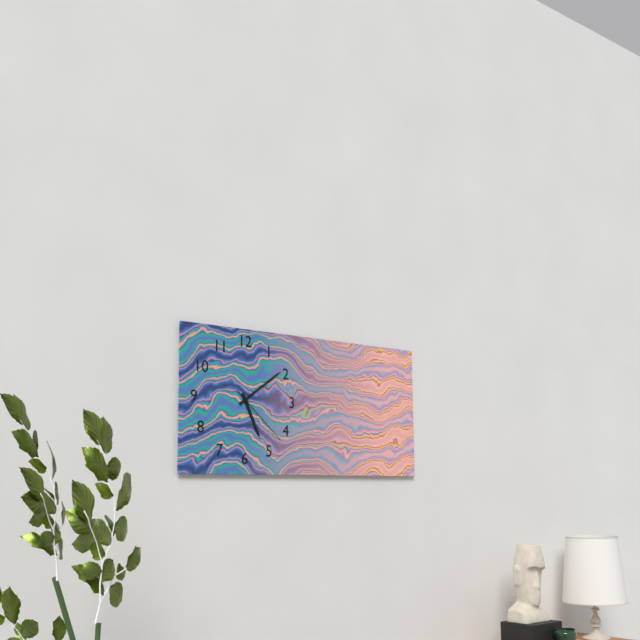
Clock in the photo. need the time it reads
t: 5:09:22
